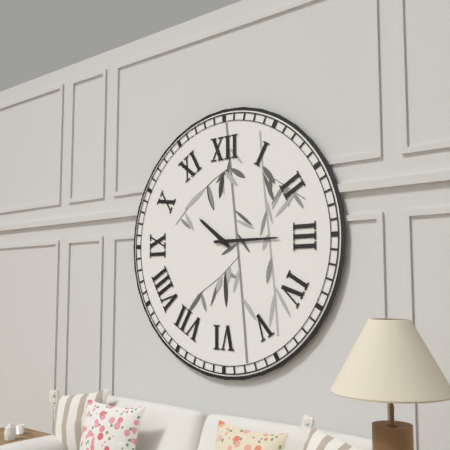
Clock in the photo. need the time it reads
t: 10:15
